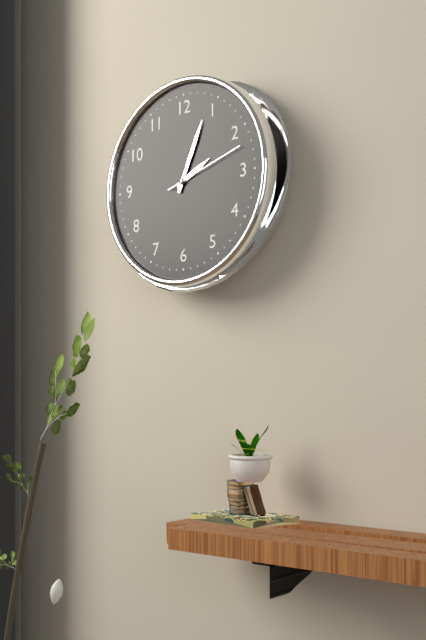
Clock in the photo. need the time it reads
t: 2:04:12
